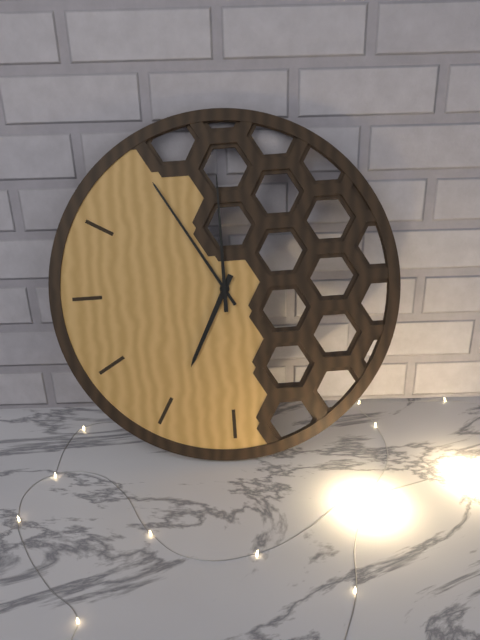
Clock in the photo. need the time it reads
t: 6:55:00
